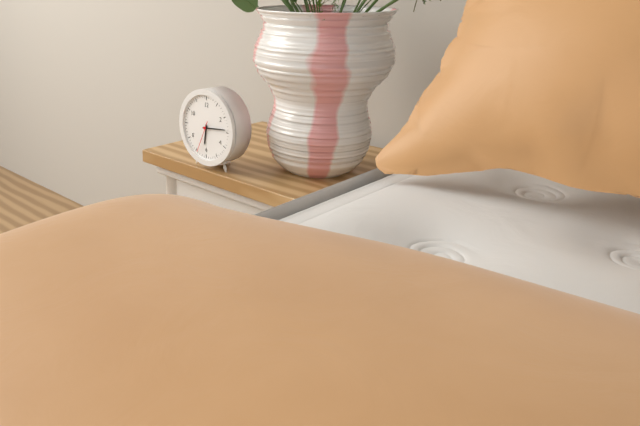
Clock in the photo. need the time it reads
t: 6:14
